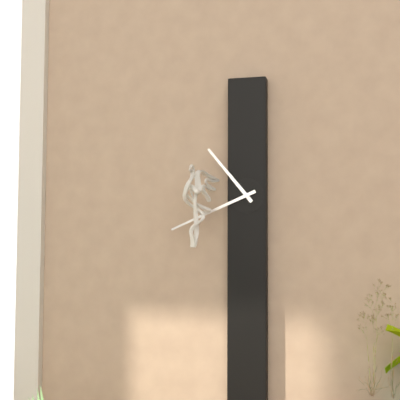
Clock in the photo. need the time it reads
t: 10:41
